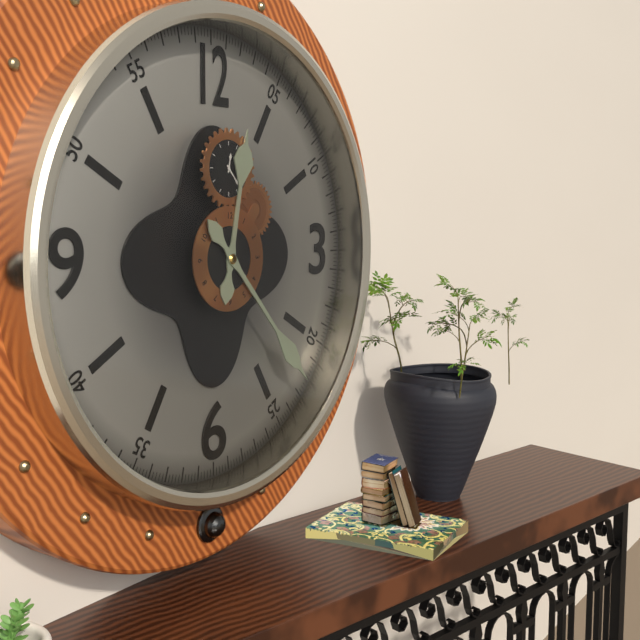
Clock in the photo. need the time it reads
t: 12:23
